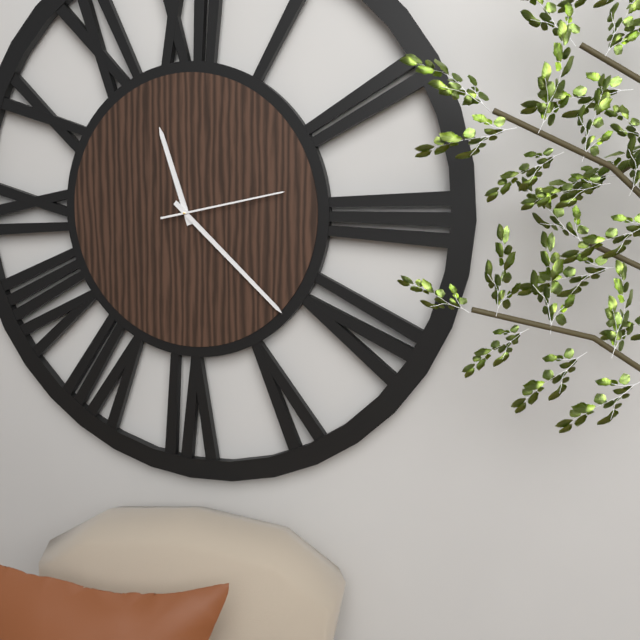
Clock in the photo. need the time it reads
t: 11:22:13
